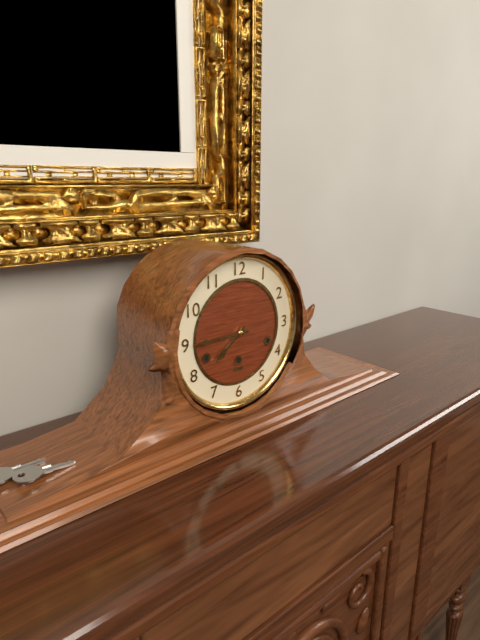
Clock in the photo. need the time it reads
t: 7:45
